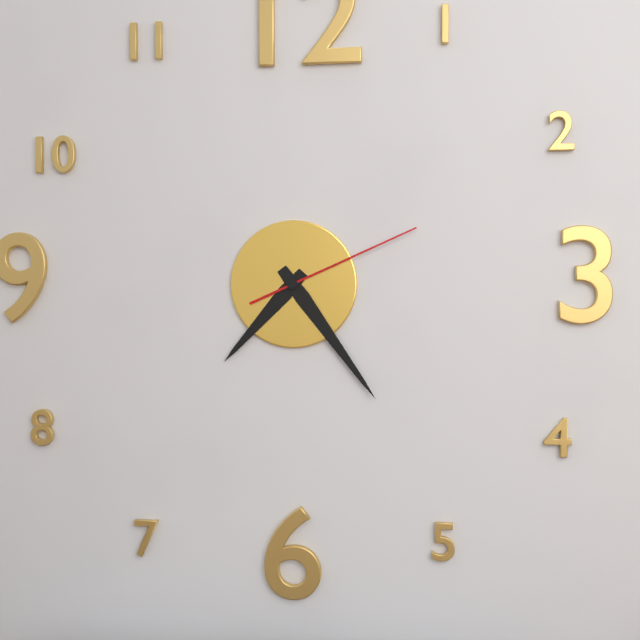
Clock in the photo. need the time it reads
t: 7:24:11
